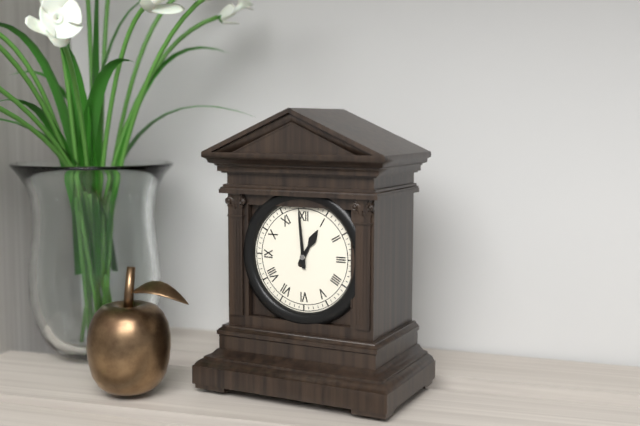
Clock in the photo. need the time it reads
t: 12:59
